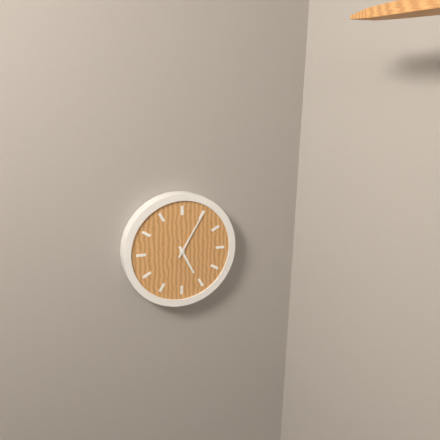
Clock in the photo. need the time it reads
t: 5:05
